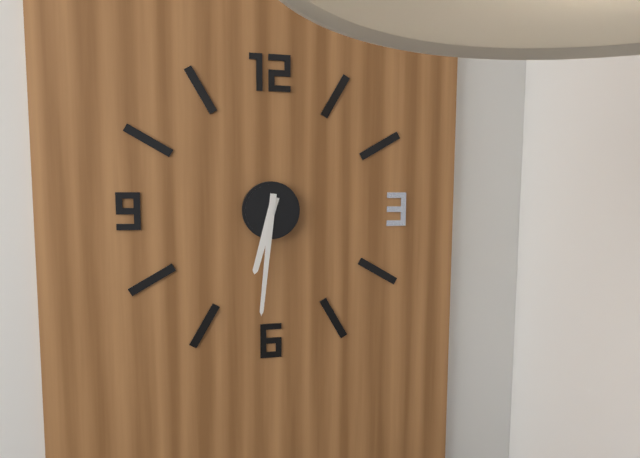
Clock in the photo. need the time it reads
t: 6:31
